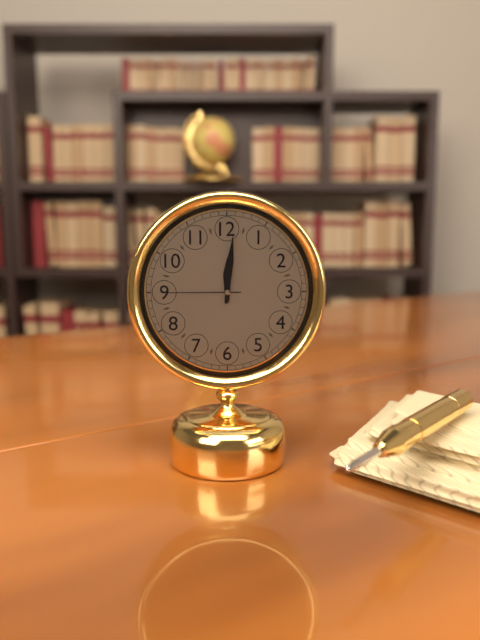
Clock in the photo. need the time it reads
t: 12:01:45
